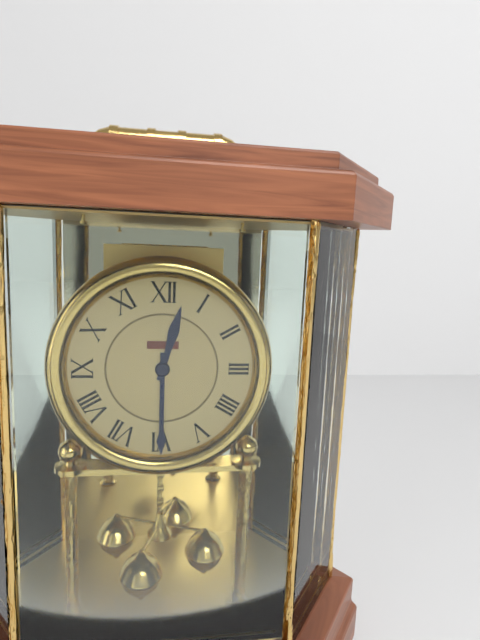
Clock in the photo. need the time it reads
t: 12:30
